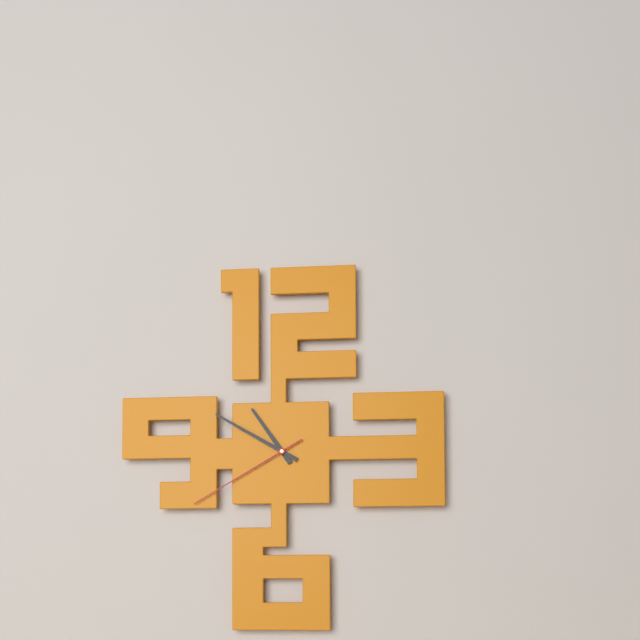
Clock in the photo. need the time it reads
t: 10:50:40
